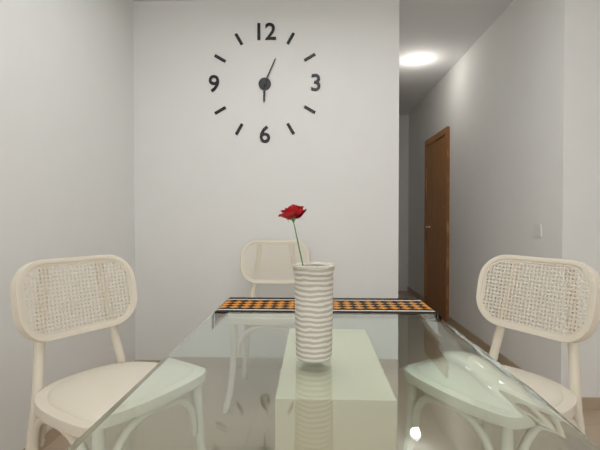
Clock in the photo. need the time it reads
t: 6:04
